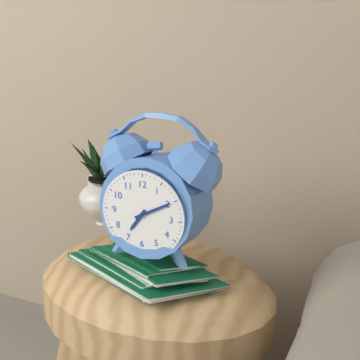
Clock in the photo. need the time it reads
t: 7:10
